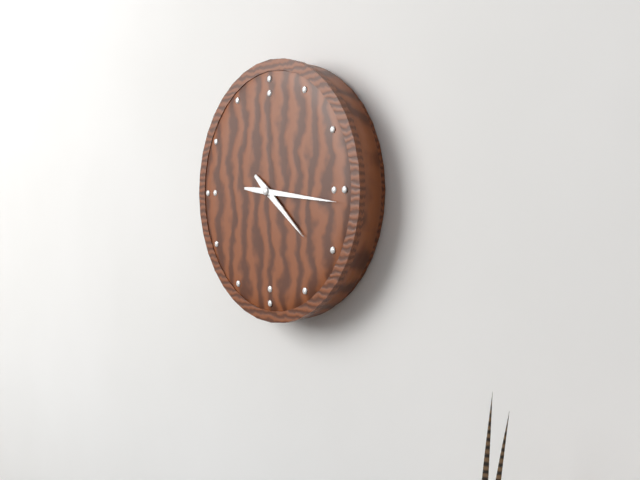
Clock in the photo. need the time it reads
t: 4:16
